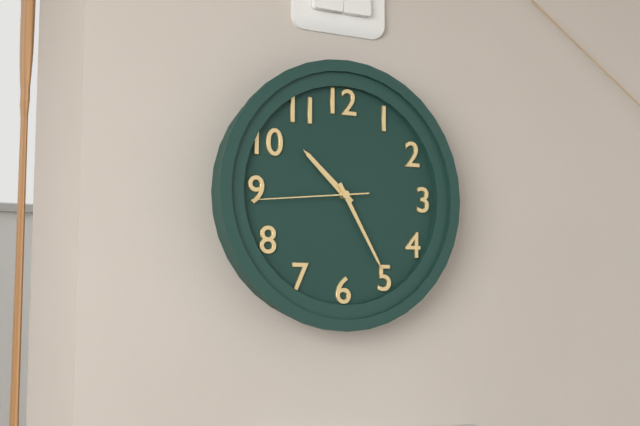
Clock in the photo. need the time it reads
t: 10:25:44
